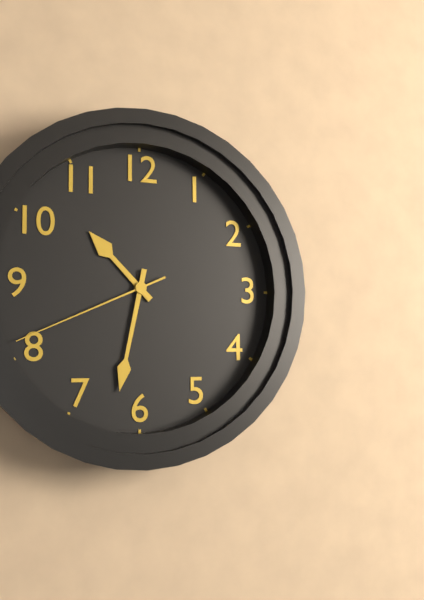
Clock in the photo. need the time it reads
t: 10:32:41
